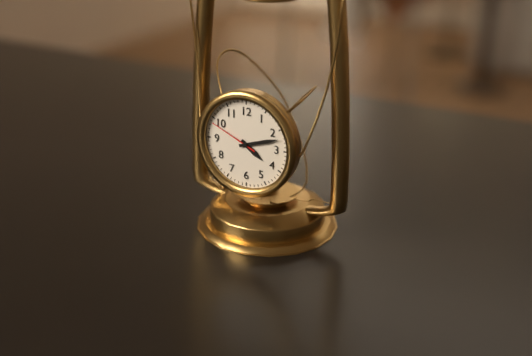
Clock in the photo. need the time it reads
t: 4:12:49
